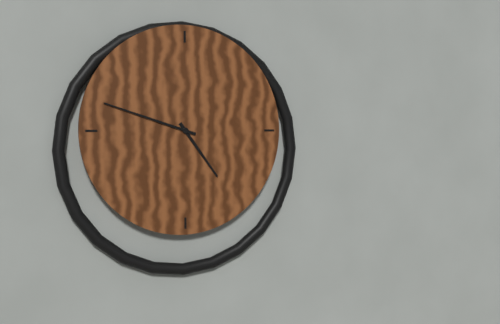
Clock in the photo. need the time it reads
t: 4:48
